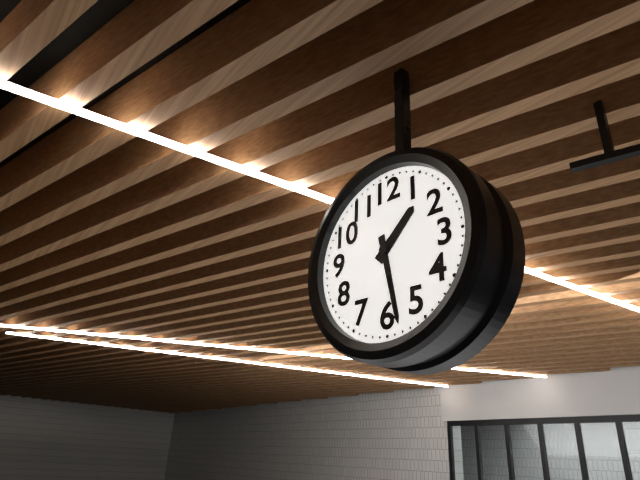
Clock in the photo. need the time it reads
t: 1:28
